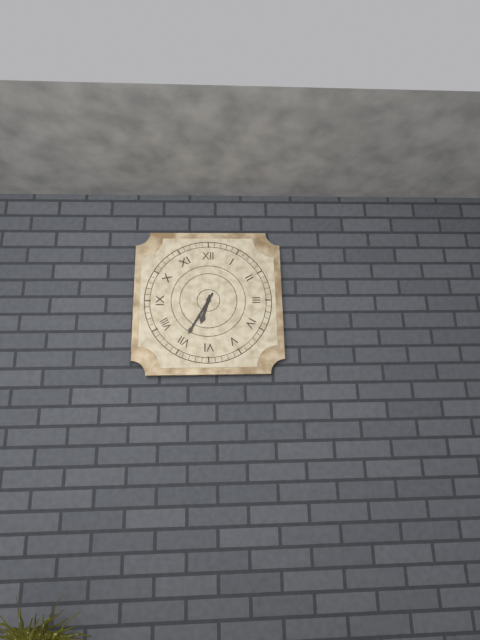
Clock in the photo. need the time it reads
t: 6:35
